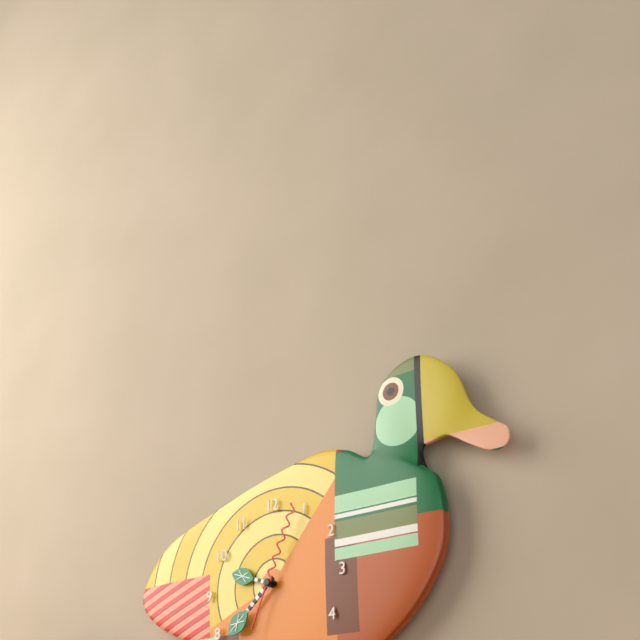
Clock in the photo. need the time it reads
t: 9:38:04
